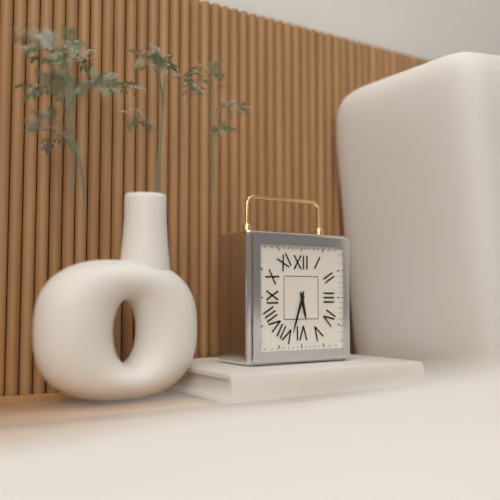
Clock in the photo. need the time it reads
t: 5:33
